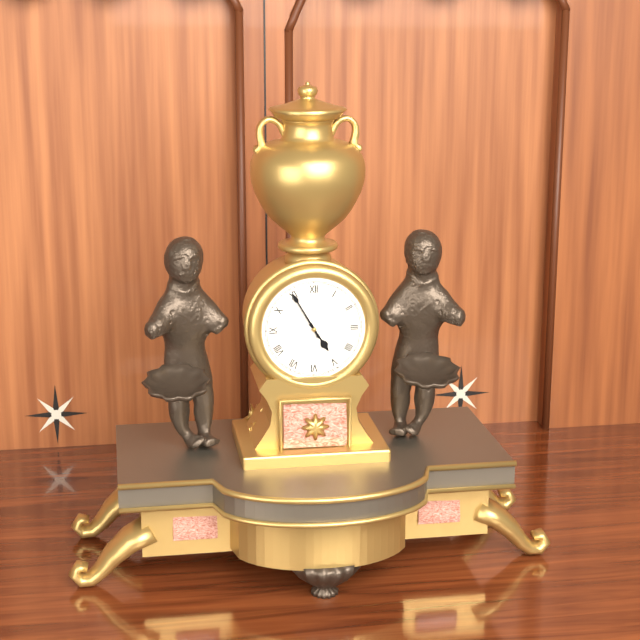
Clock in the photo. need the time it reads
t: 4:55
